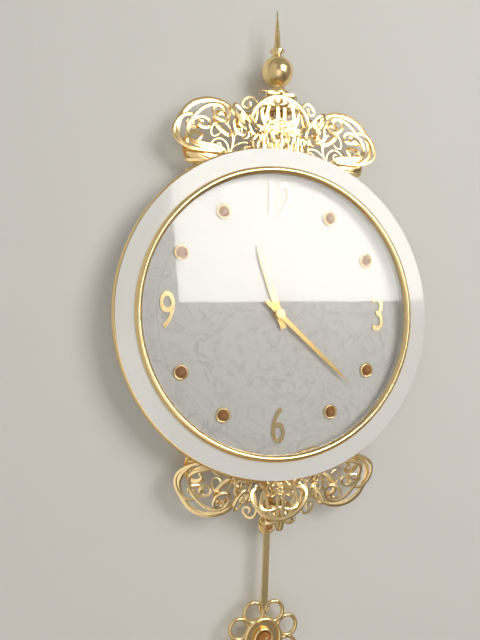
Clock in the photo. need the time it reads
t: 11:22
